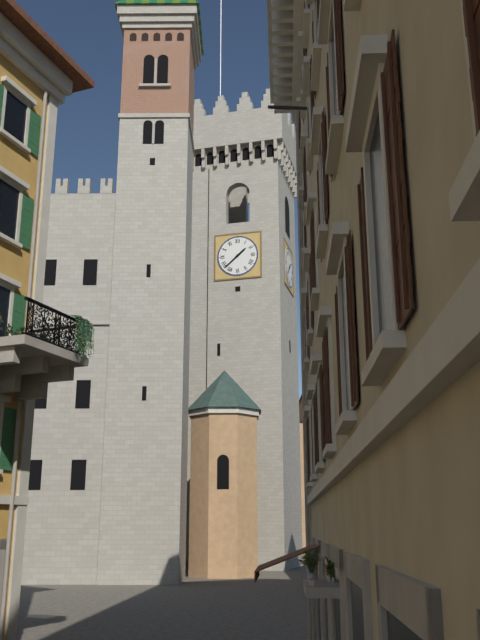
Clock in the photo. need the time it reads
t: 1:38
